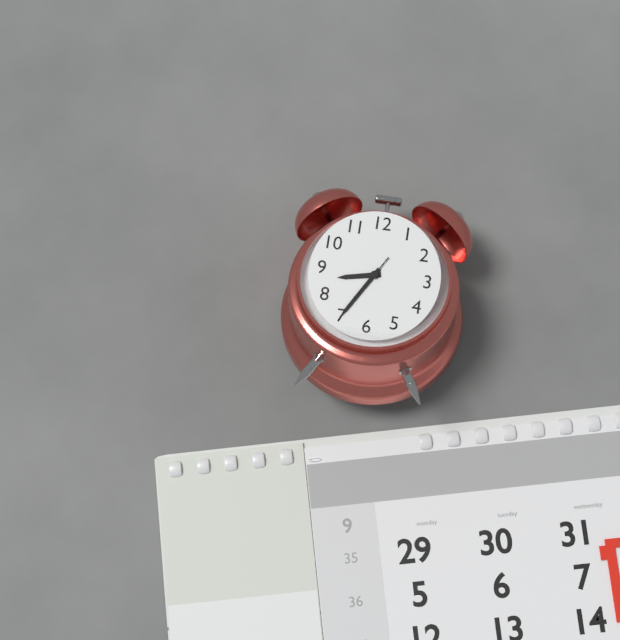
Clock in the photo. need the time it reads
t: 8:35:35
